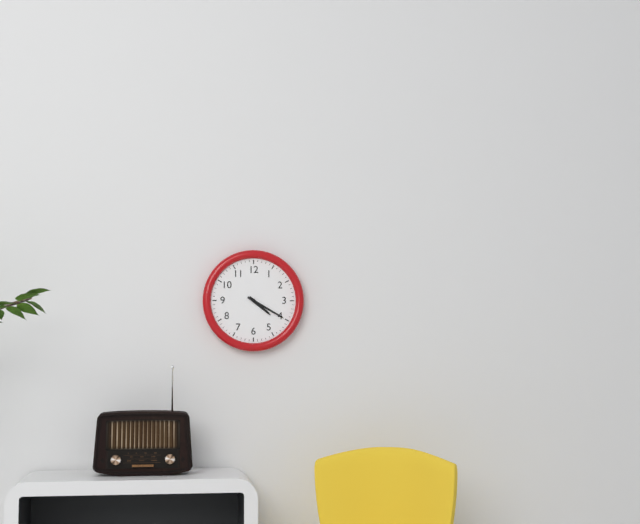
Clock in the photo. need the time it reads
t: 4:20
